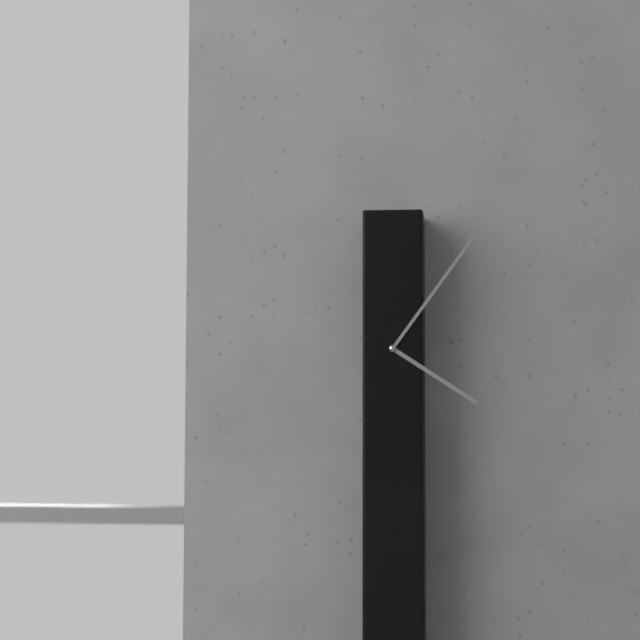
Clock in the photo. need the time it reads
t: 4:06
